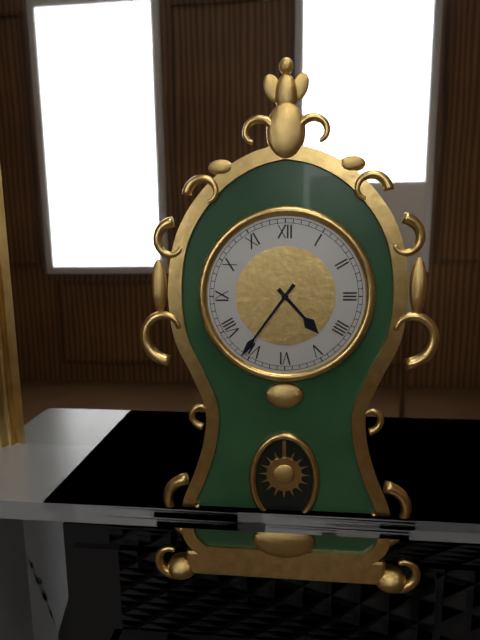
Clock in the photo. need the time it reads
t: 4:36
